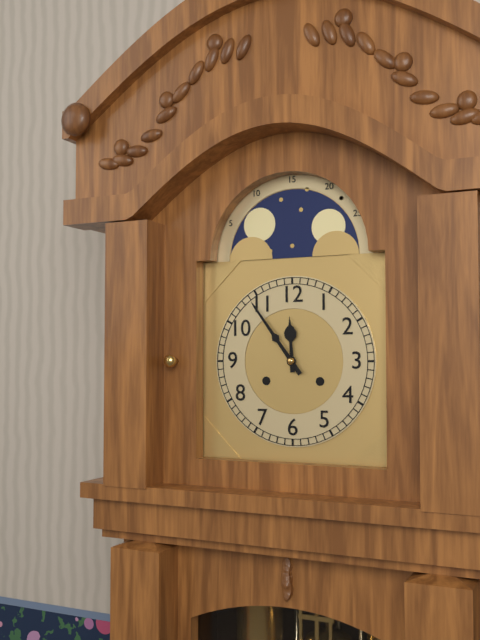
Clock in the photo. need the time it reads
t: 11:54
